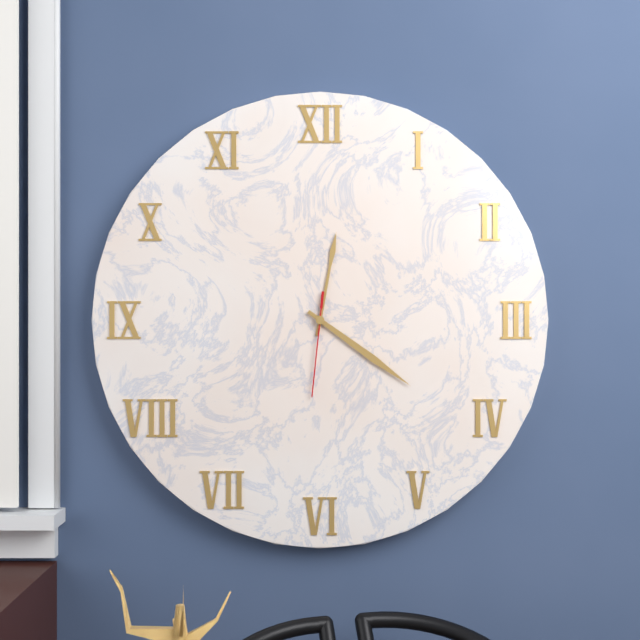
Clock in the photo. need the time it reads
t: 12:21:31
